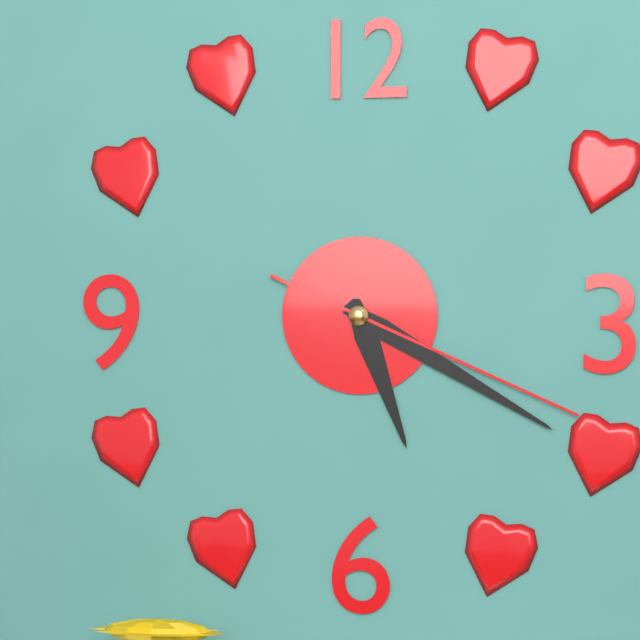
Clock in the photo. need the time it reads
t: 5:20:19
